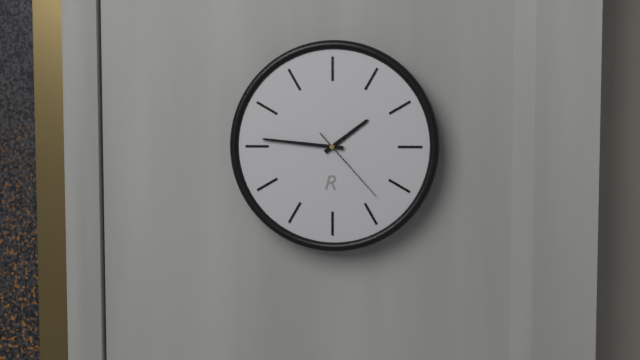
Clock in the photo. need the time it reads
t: 1:46:23
